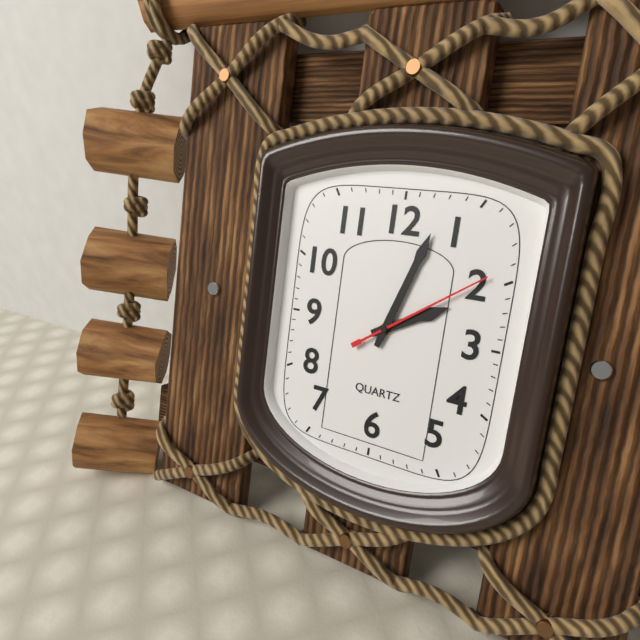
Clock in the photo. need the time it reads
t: 2:03:09
